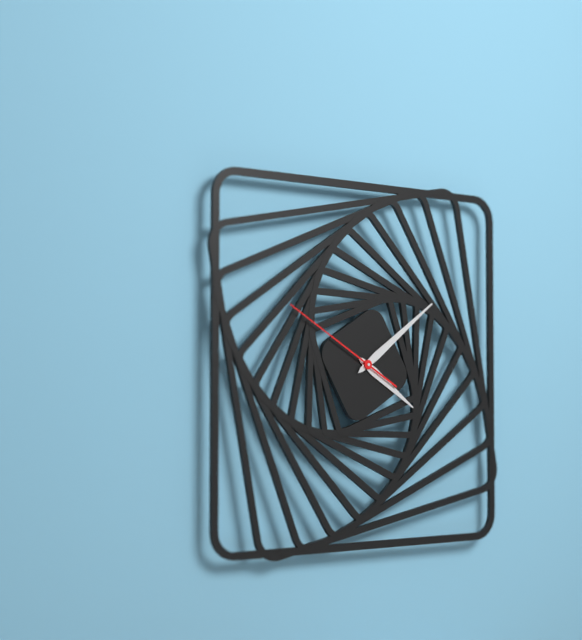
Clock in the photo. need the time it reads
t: 4:09:50
